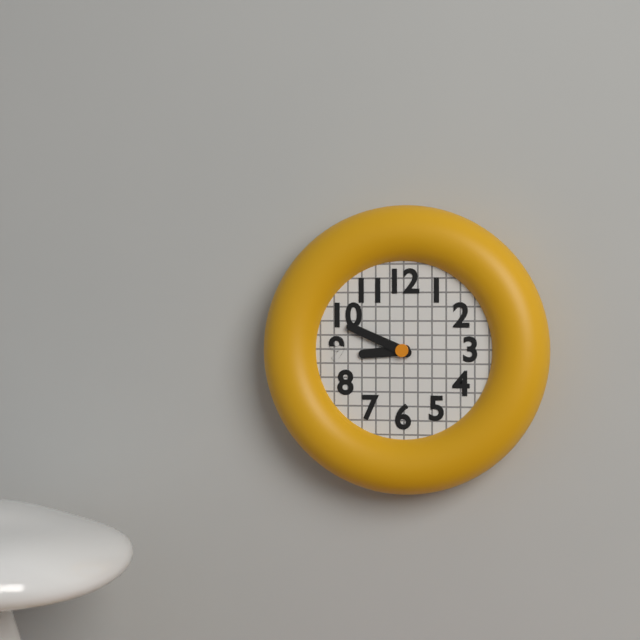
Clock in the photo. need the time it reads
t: 8:49
